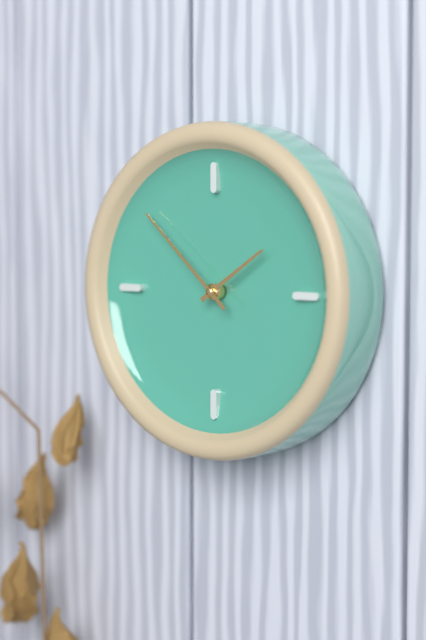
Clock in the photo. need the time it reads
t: 1:52
